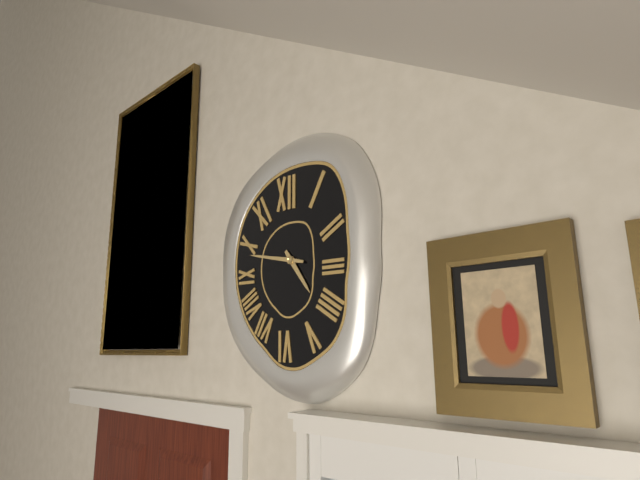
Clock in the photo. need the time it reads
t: 4:47
